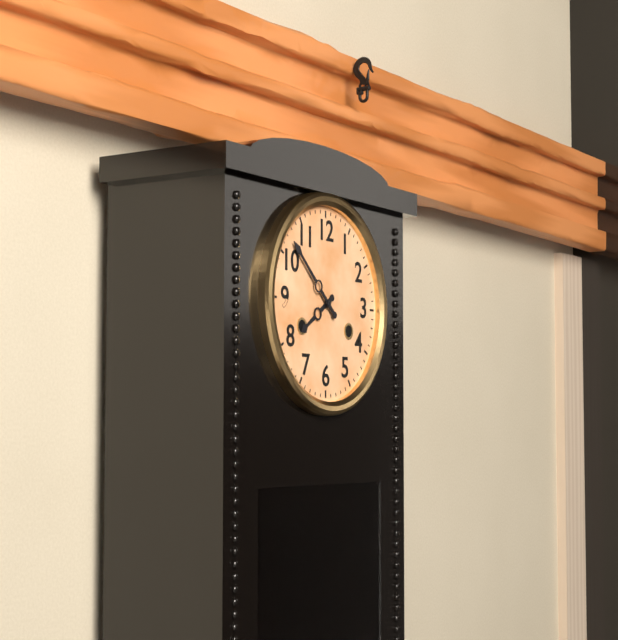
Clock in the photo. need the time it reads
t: 7:52
